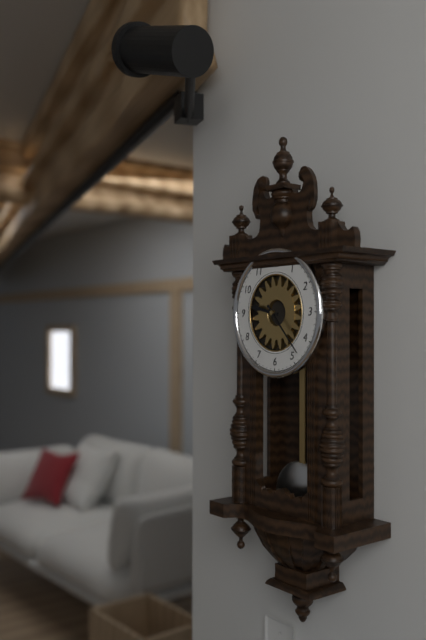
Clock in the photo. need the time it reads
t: 9:23
